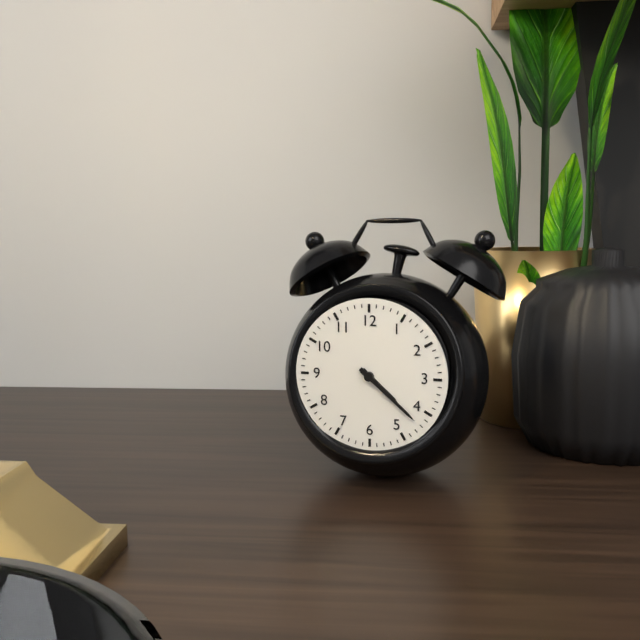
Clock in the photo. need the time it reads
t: 4:22
